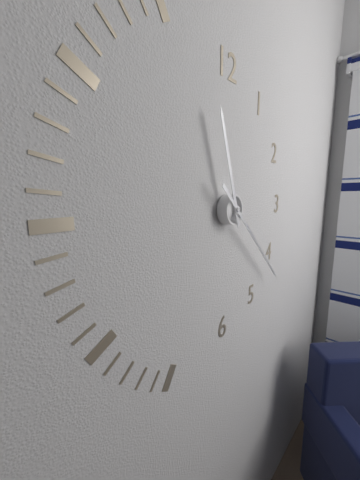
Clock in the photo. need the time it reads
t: 11:22
